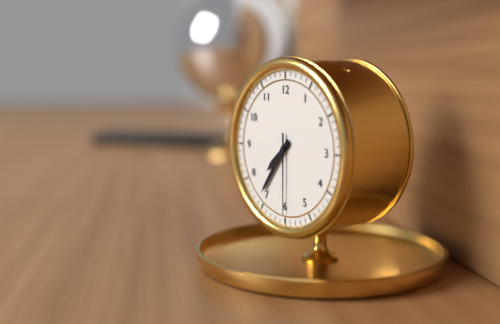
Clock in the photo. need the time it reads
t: 7:36:30
